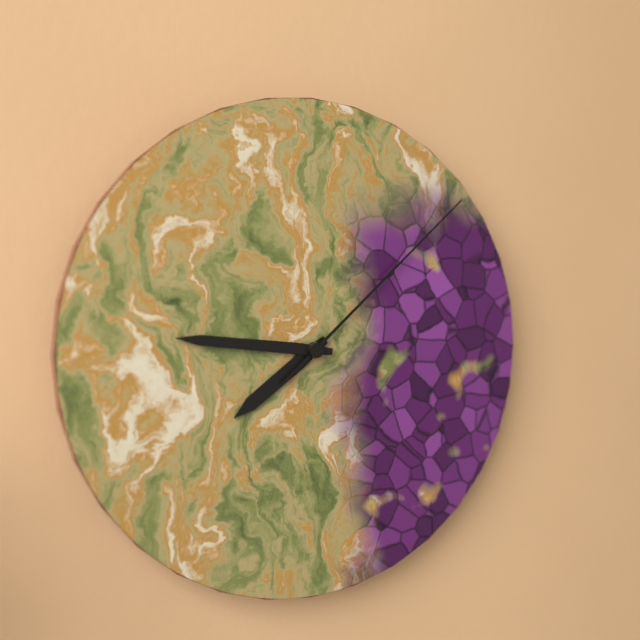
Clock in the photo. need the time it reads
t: 7:46:08
